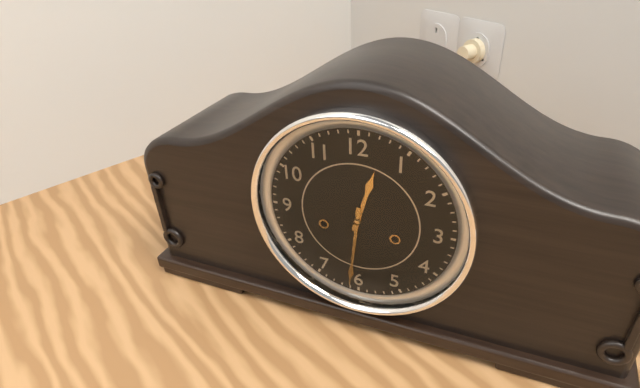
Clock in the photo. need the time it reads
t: 12:31
